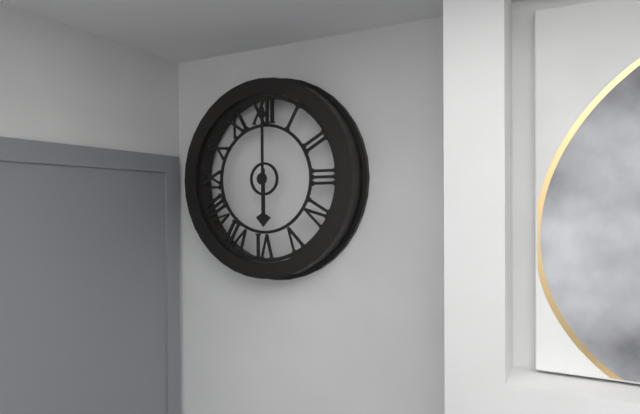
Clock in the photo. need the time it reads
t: 6:00
